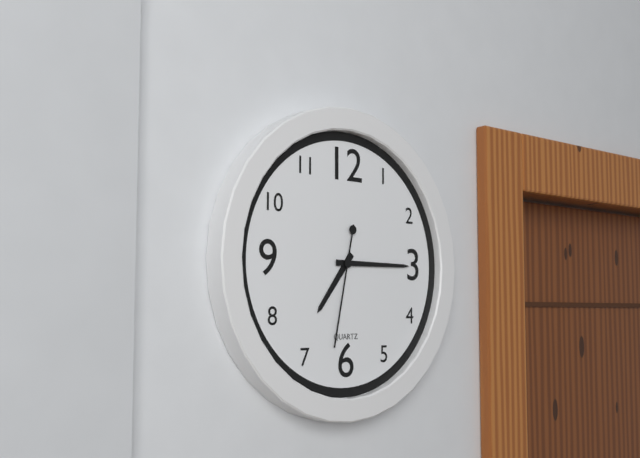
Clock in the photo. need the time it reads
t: 7:15:32
